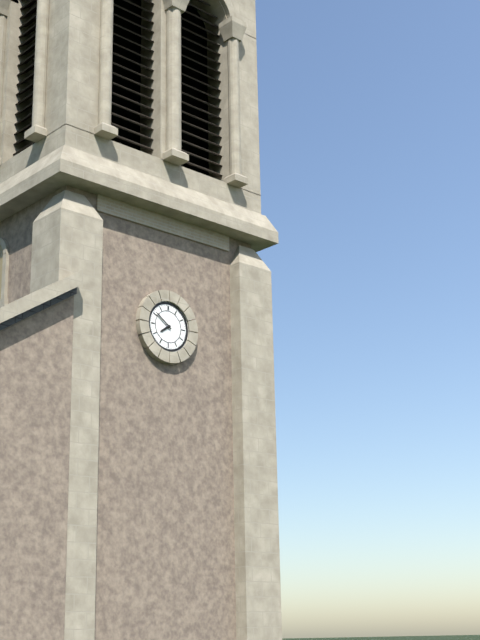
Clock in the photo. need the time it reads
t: 7:51
